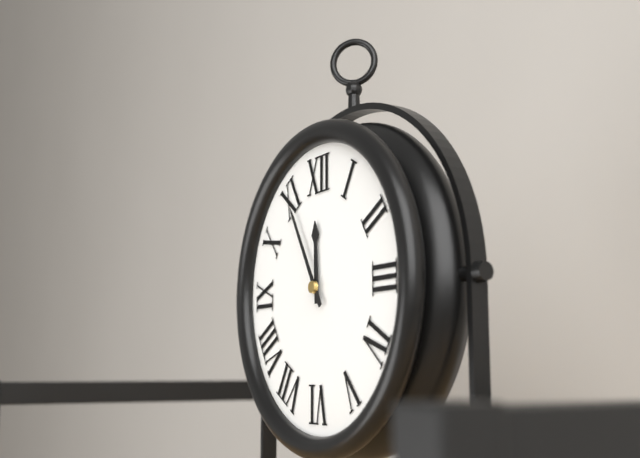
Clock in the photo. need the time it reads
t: 11:55
